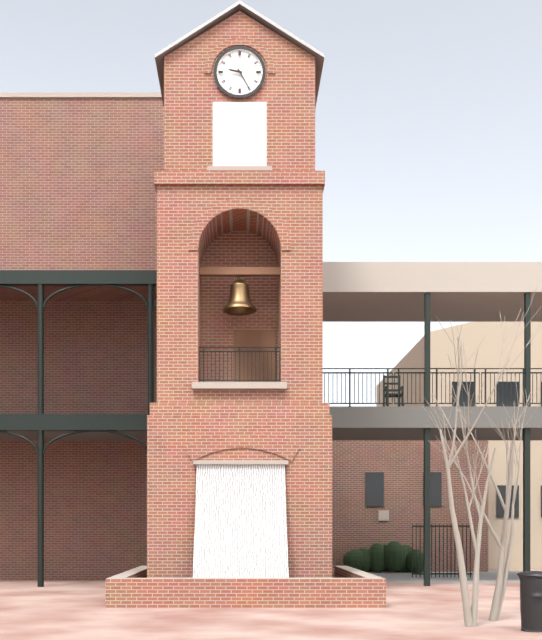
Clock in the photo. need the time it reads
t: 9:25
